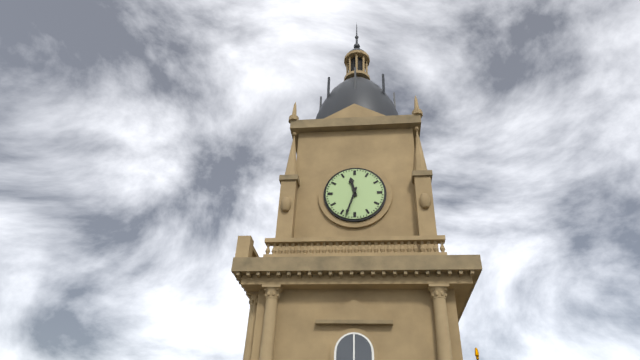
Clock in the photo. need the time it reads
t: 11:33
